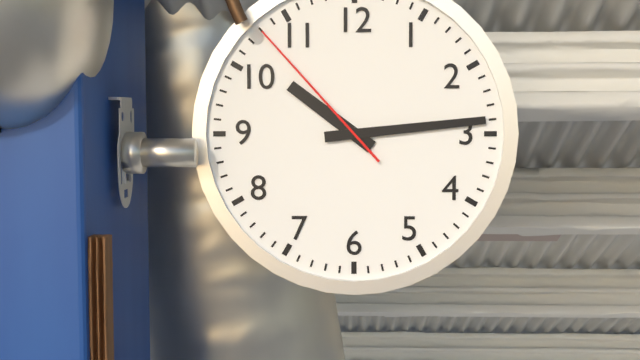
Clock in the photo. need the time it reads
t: 10:14:53
